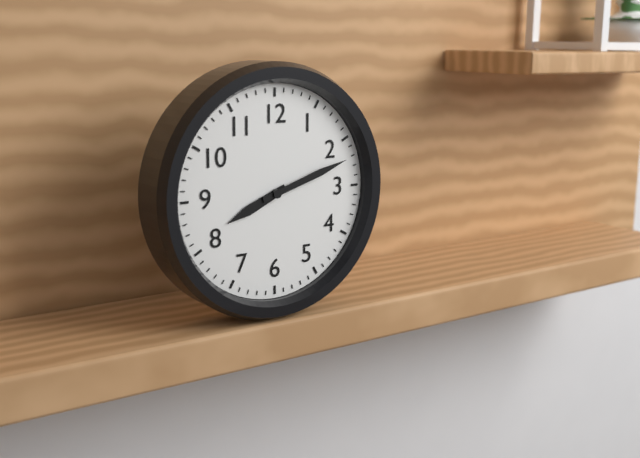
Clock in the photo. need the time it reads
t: 8:12
